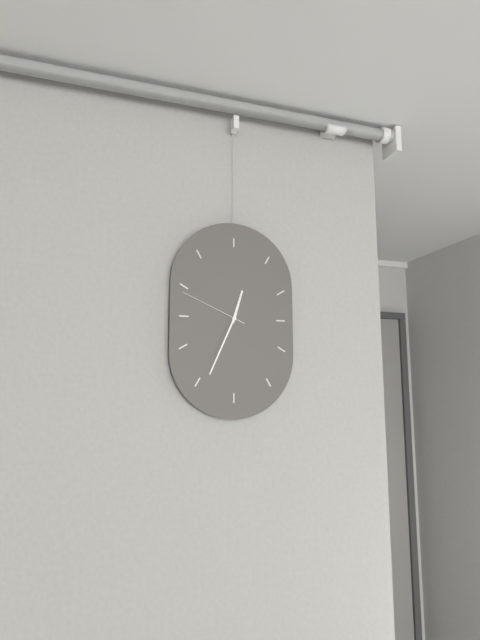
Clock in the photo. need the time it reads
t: 12:34:49
